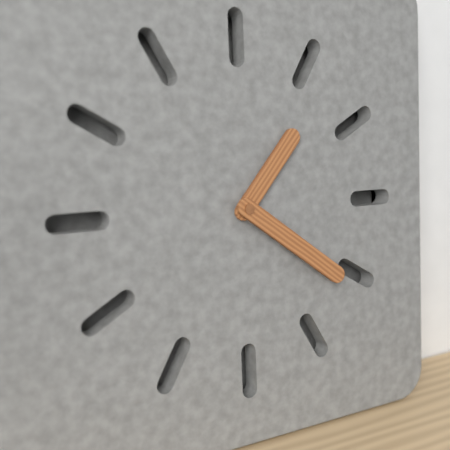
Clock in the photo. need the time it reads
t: 1:21
